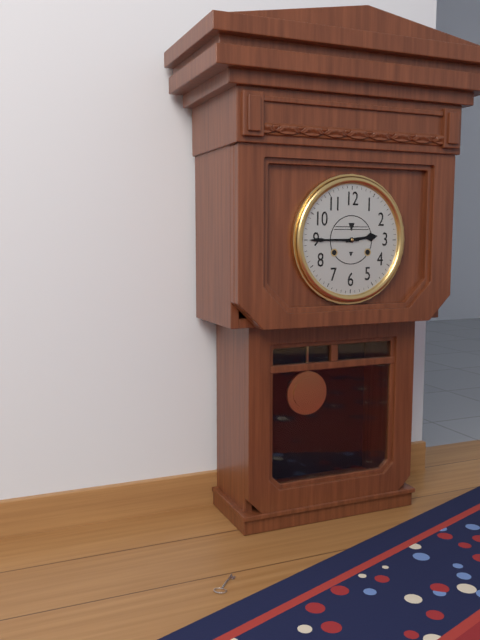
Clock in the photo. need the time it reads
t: 2:45
